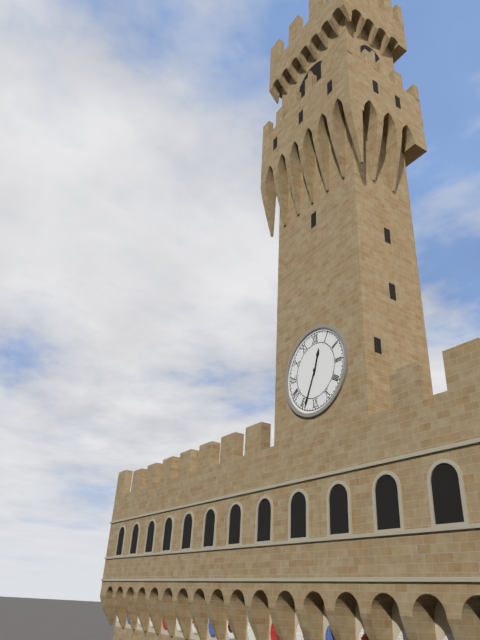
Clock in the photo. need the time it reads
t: 12:34
